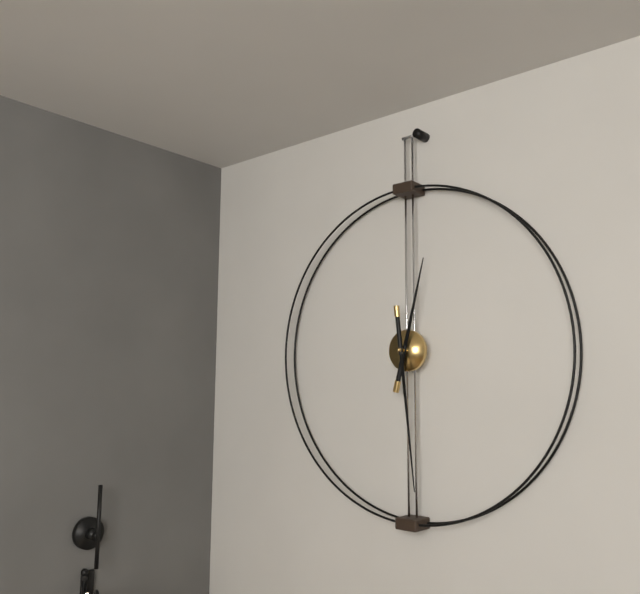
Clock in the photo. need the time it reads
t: 12:29
